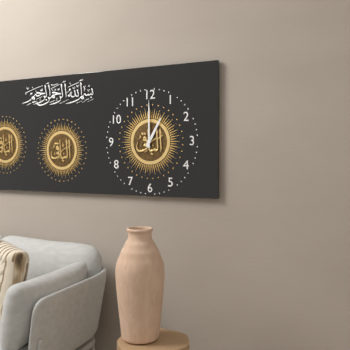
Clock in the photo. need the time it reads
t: 1:00
